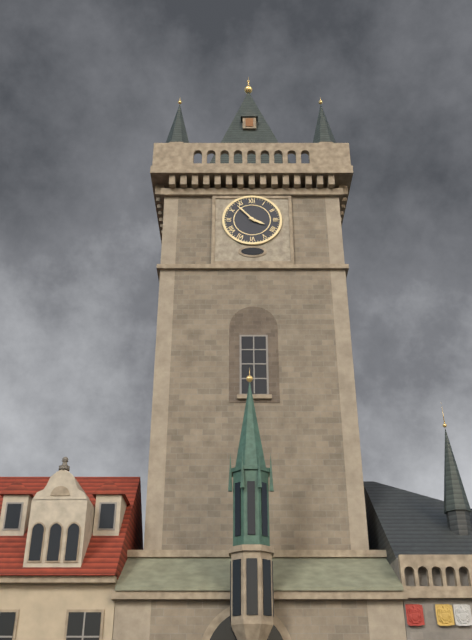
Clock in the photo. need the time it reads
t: 3:53
